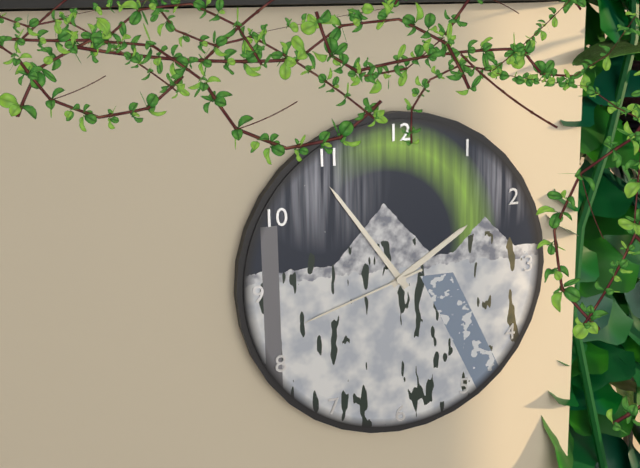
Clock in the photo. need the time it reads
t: 1:54:42
